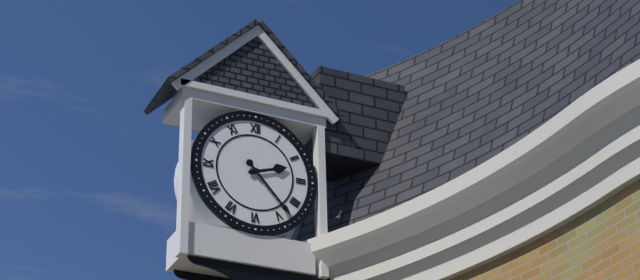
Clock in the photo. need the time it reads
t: 2:23
